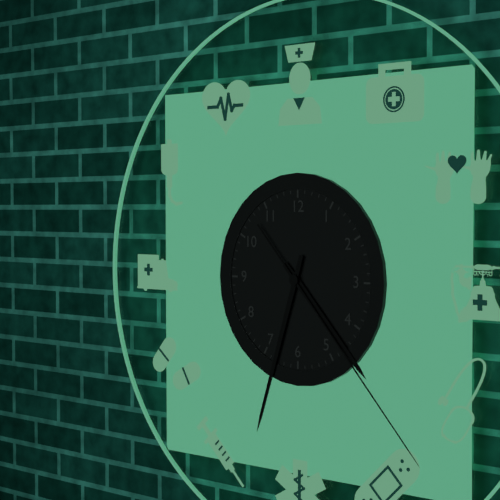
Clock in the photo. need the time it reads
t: 4:33:23
